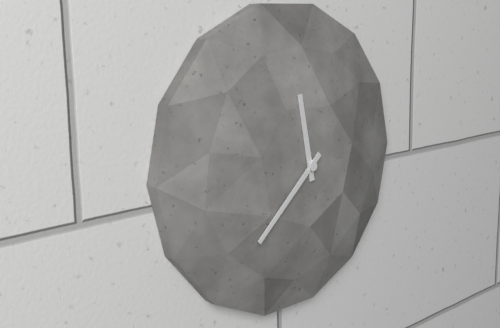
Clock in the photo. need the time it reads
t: 11:38
